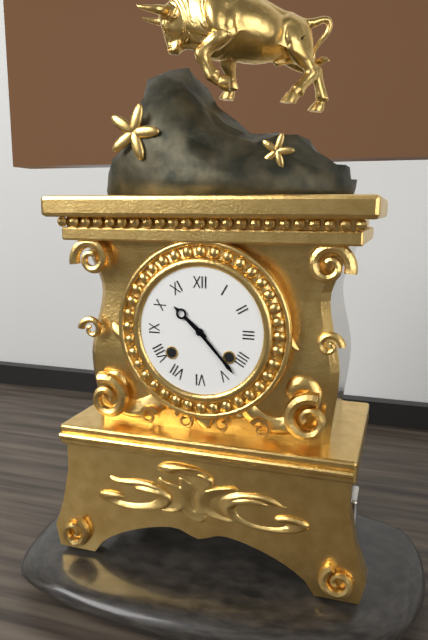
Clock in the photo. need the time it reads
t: 10:23
